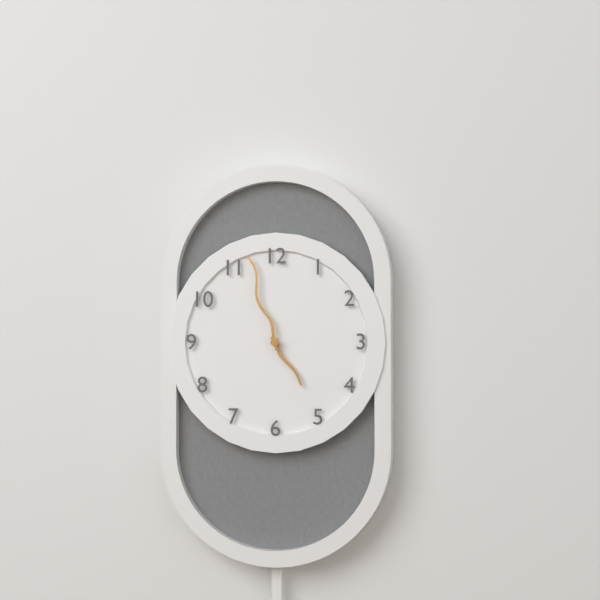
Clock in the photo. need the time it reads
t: 4:57
